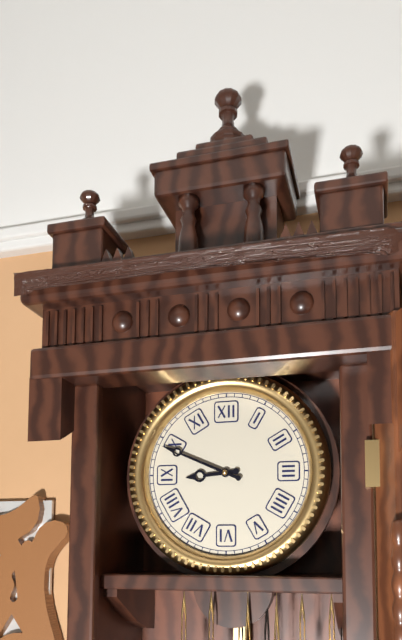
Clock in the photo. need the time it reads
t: 8:49
